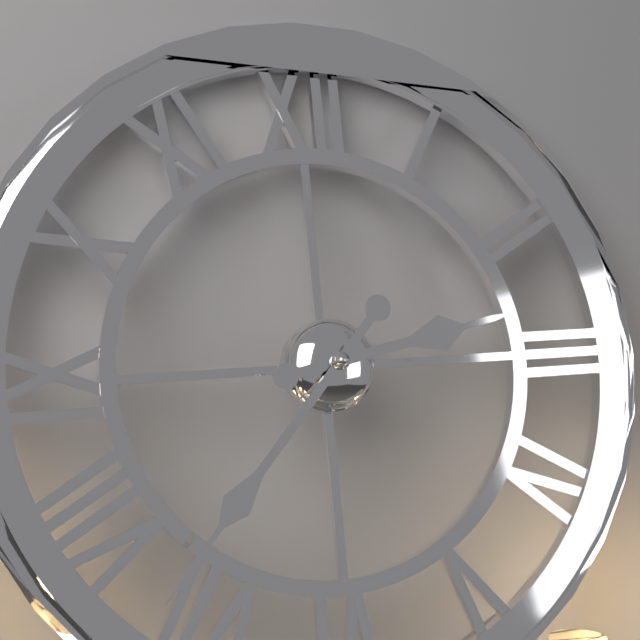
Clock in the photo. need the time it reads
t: 2:37
